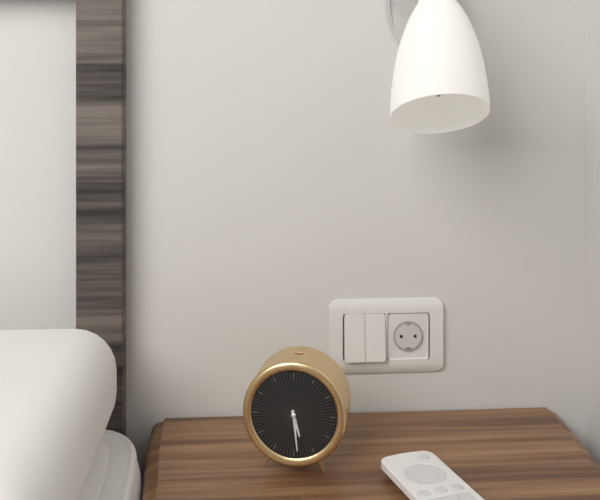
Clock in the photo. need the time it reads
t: 5:29
